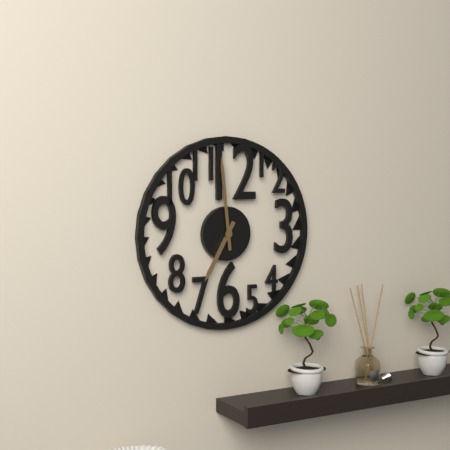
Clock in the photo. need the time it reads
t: 6:59
